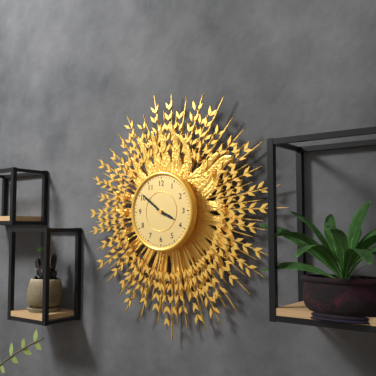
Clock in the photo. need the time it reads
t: 3:51
